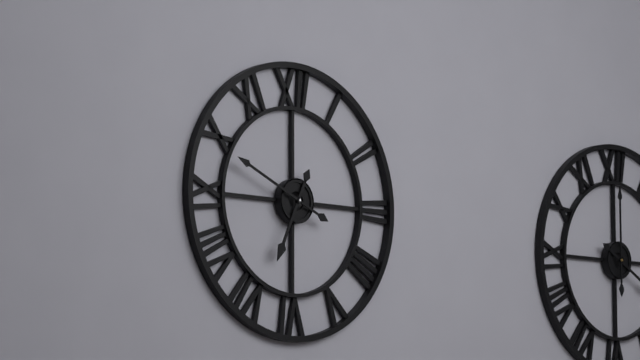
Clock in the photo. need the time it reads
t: 6:49
